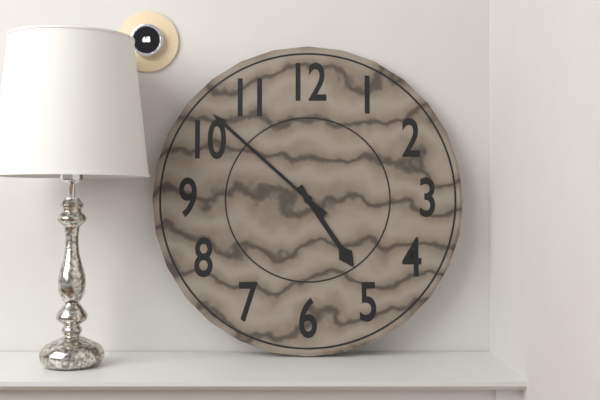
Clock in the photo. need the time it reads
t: 4:52
